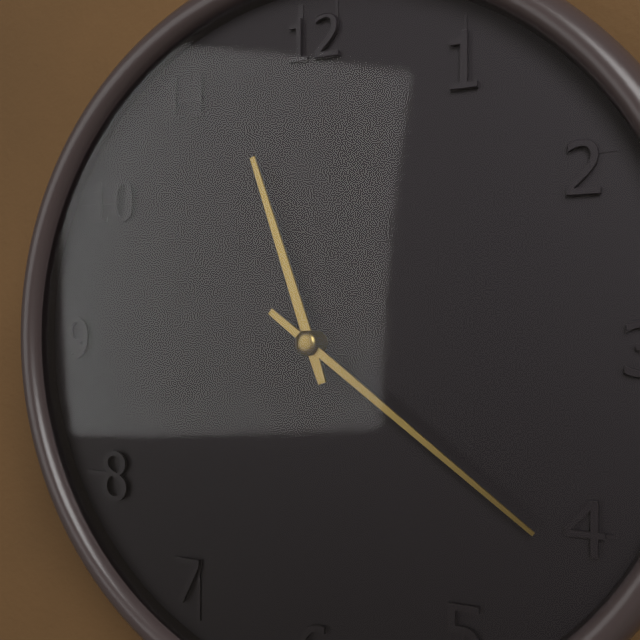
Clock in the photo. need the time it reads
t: 11:21
